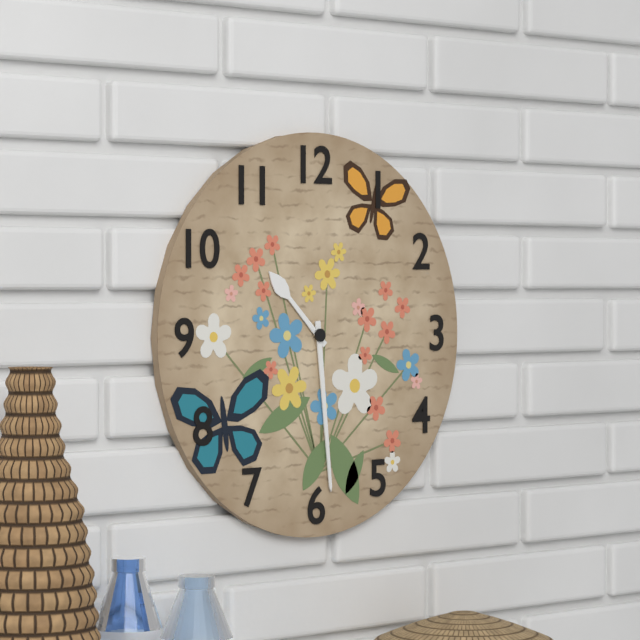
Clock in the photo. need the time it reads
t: 10:29
